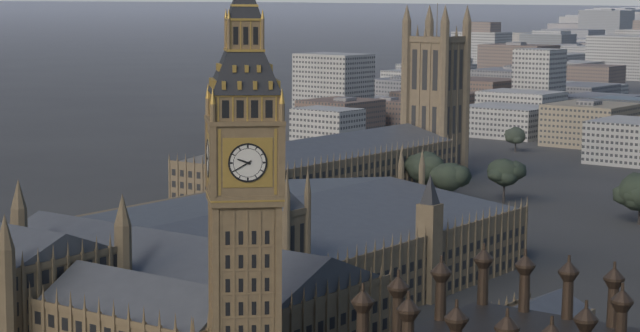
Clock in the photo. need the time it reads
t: 9:40
